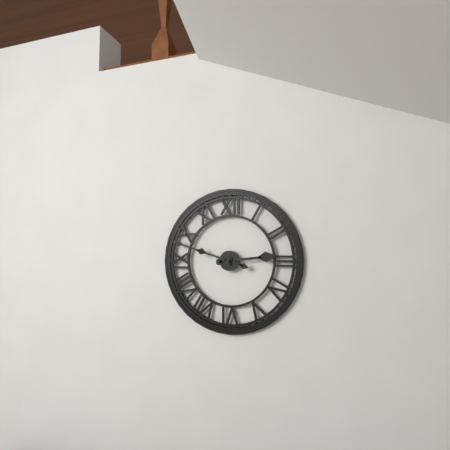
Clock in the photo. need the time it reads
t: 2:48
